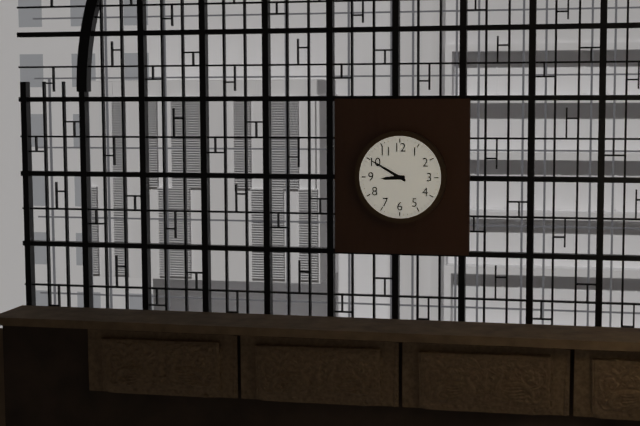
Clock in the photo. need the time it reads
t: 8:50
